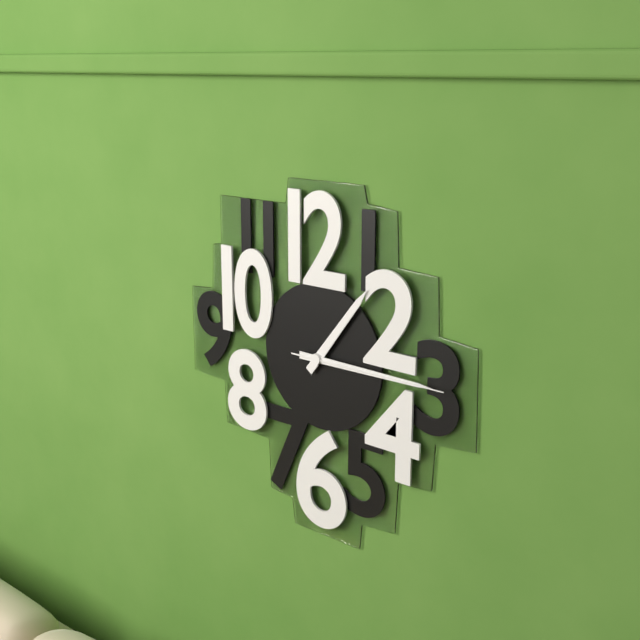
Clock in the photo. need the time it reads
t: 1:15:15
